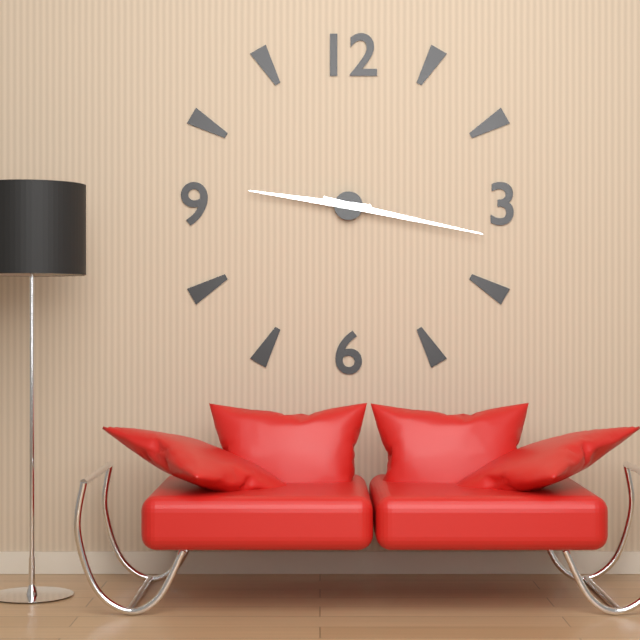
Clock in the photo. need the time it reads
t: 9:17
